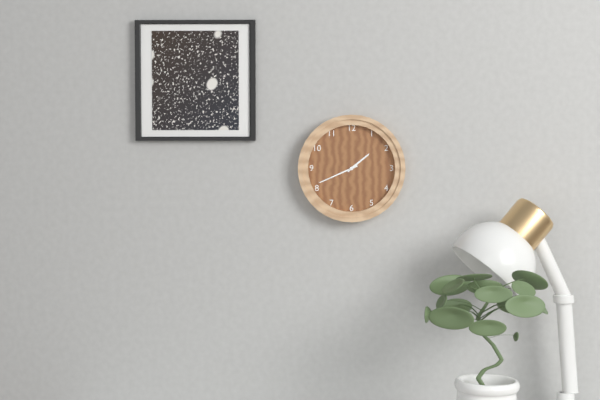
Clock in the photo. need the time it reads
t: 1:41
